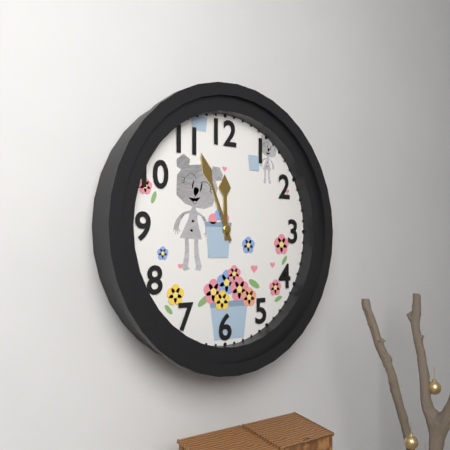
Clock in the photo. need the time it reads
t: 11:56
